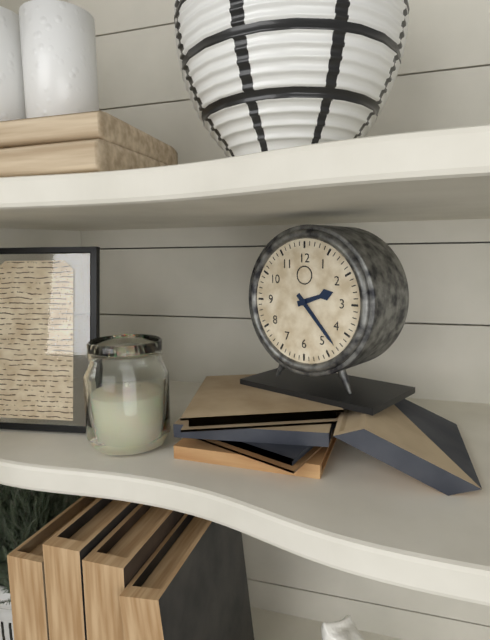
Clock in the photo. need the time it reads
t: 2:23
